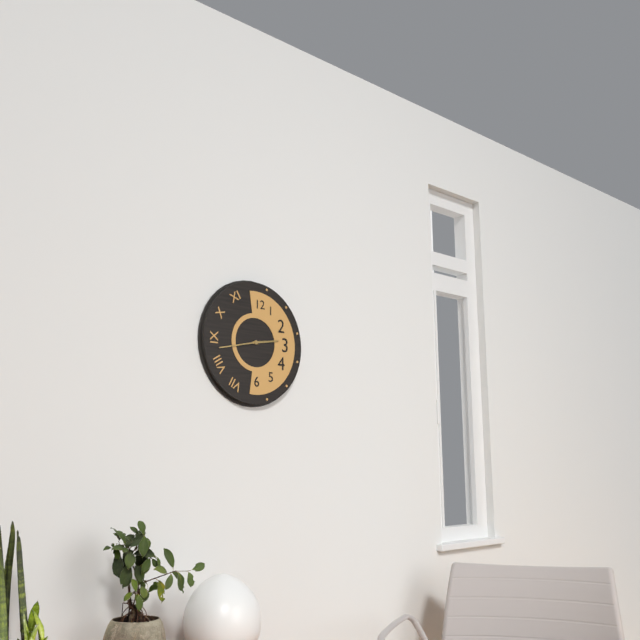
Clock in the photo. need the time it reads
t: 2:43
